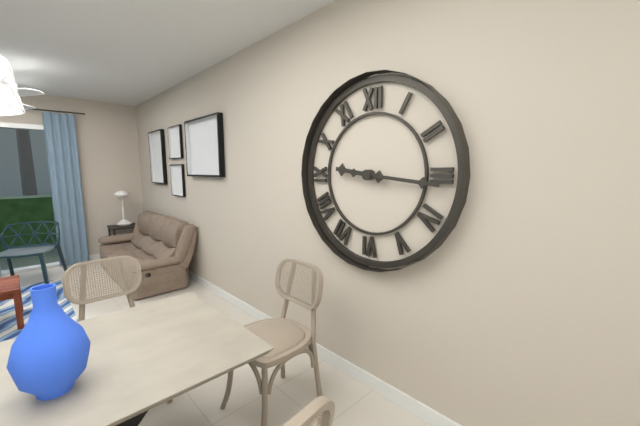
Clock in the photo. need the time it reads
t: 9:16
